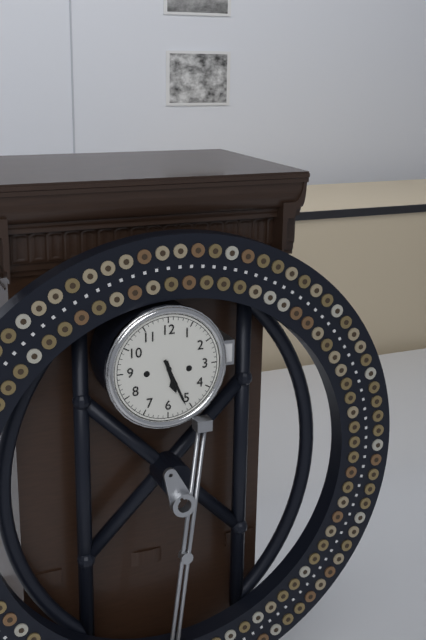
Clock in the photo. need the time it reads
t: 5:26
